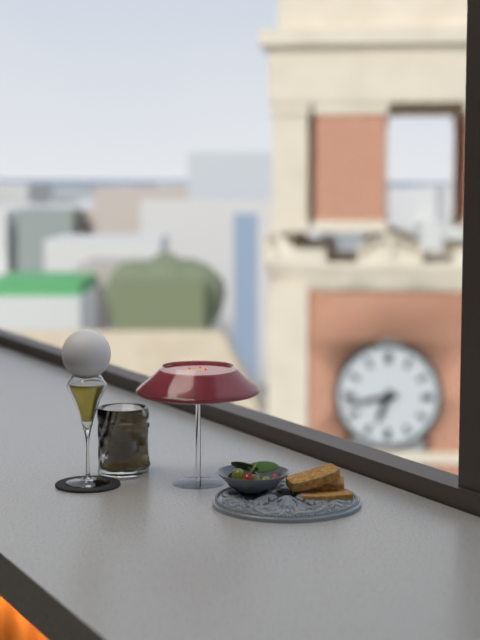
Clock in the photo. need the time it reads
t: 6:43
